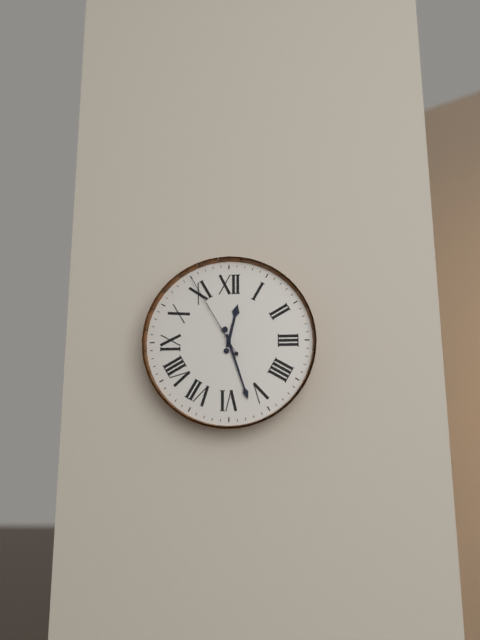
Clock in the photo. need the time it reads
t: 12:27:55
